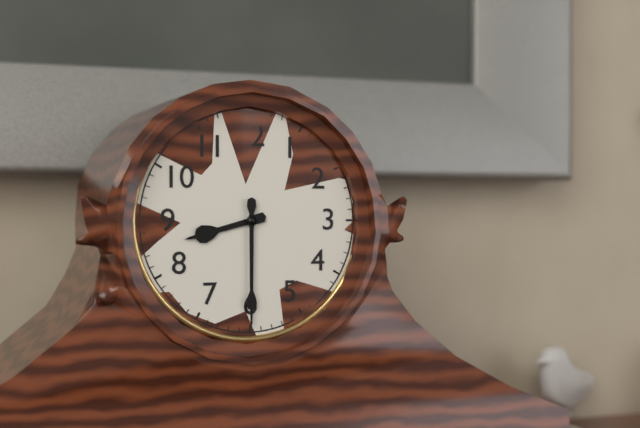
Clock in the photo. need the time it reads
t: 8:30
